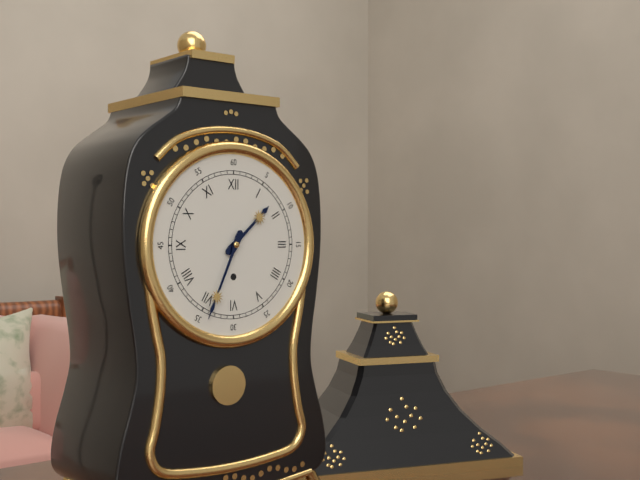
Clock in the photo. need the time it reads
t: 1:34
